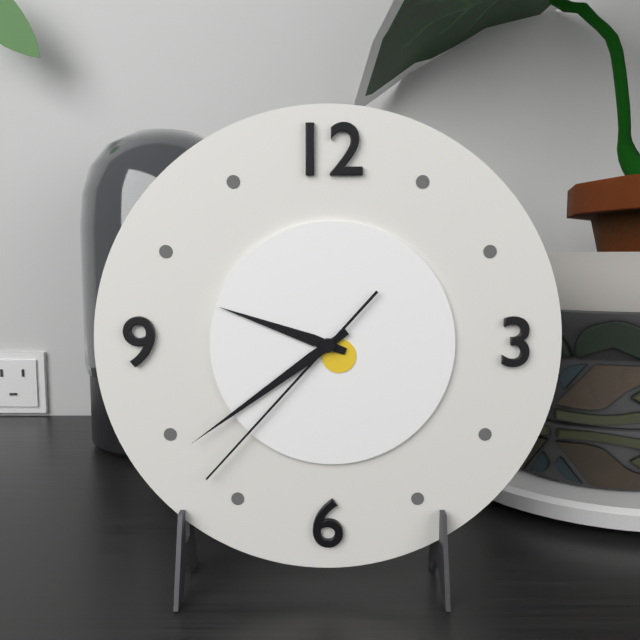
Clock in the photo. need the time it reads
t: 9:39:37
